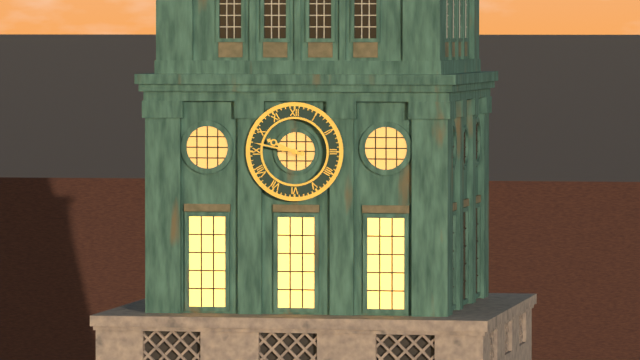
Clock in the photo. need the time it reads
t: 9:47
